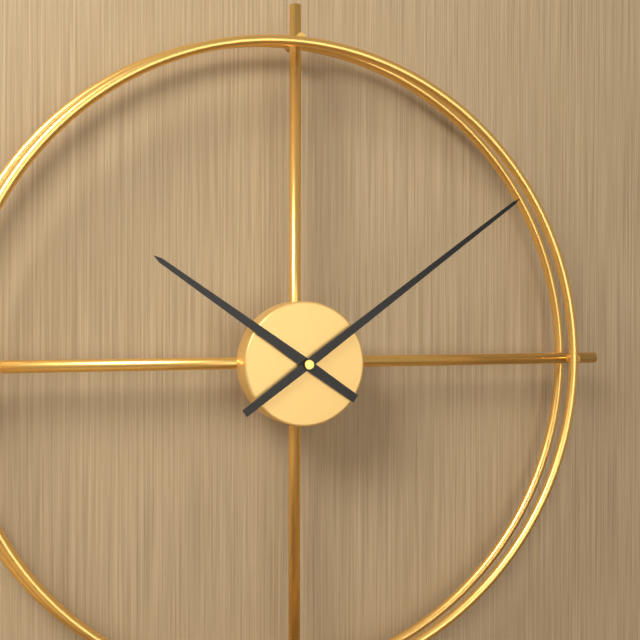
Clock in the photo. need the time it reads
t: 10:09
